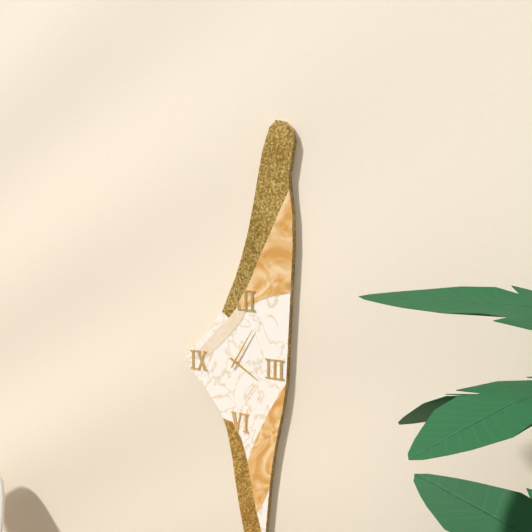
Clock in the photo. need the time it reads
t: 4:05
